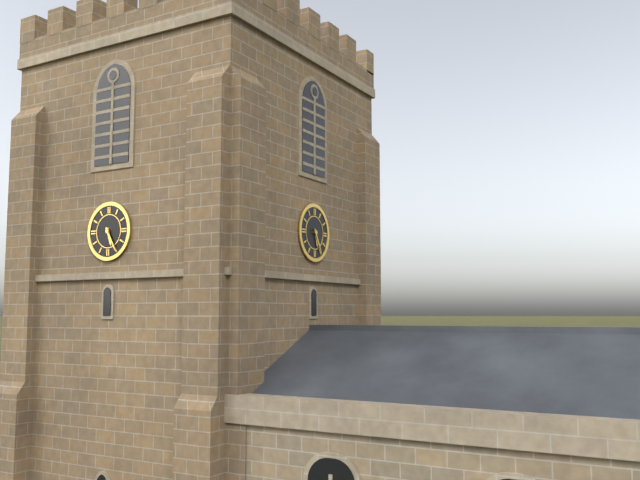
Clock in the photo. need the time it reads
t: 5:25
